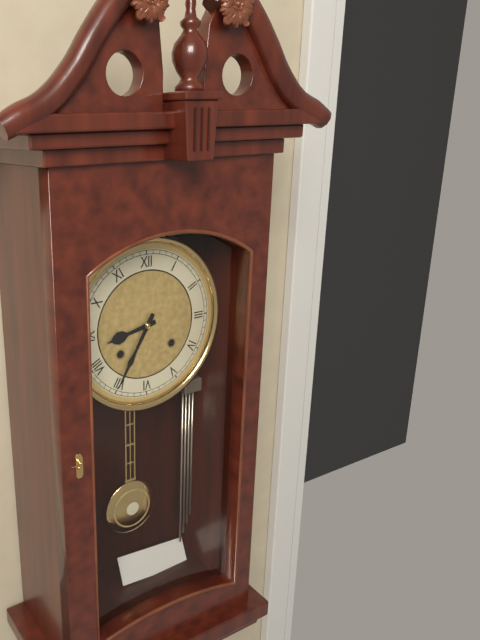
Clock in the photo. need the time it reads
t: 8:35
